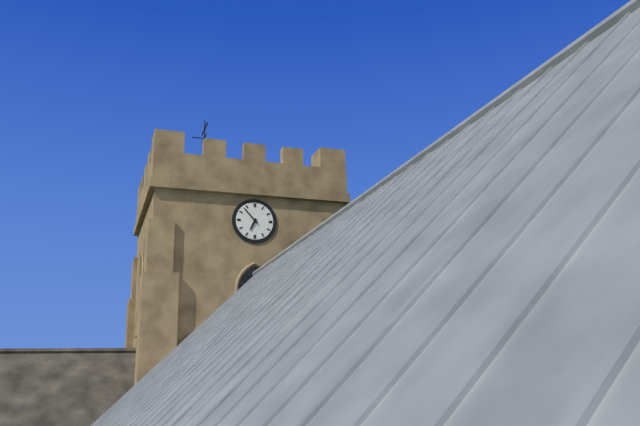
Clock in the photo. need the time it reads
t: 6:53
